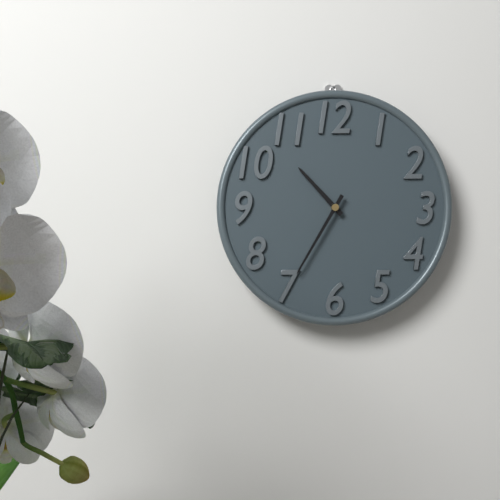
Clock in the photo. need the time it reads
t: 10:35
